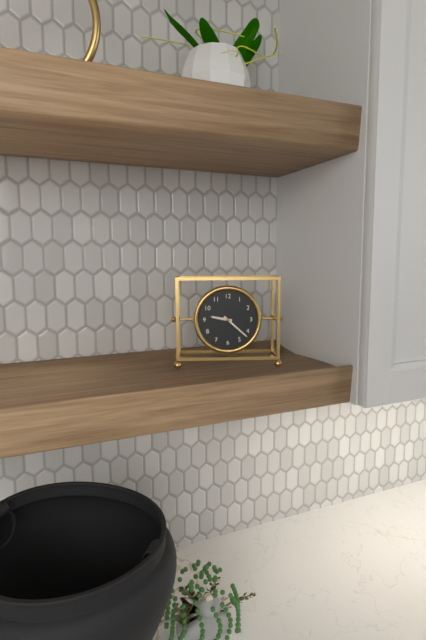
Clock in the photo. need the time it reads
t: 9:22
